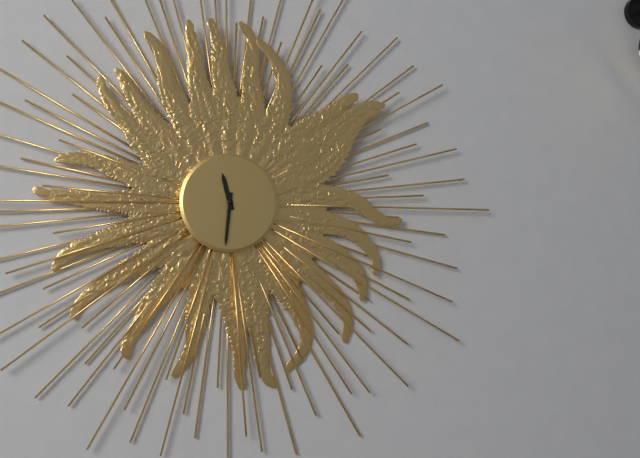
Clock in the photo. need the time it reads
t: 11:31
